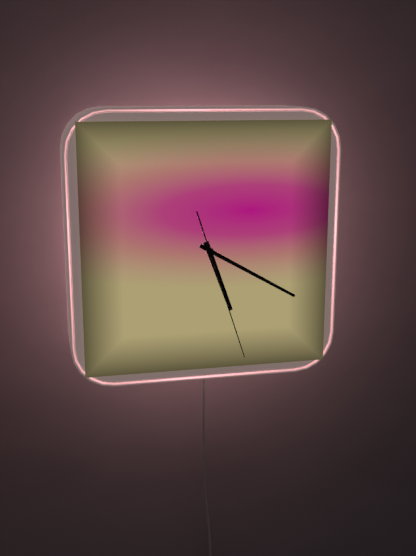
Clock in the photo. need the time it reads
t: 5:20:27
